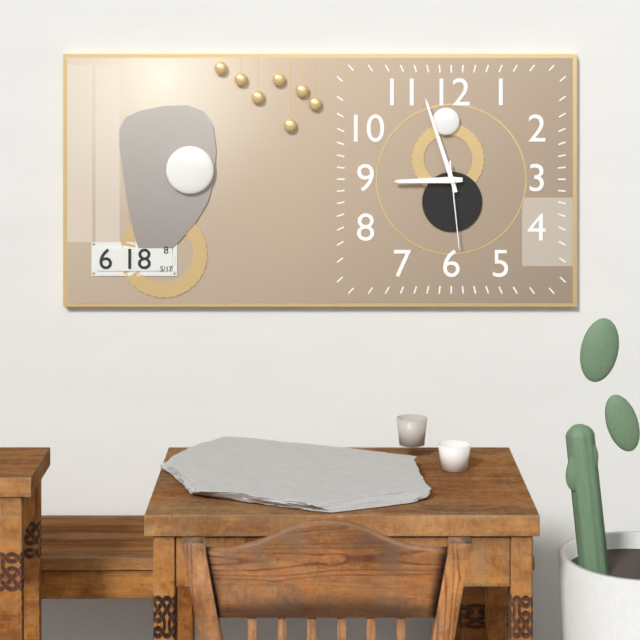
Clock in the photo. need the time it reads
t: 8:57:29
